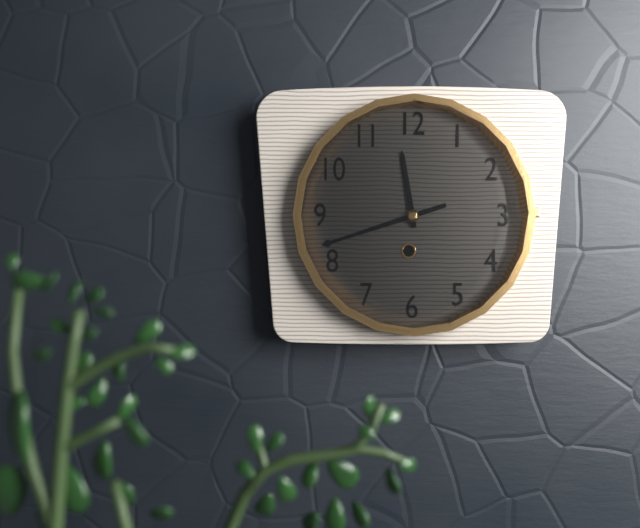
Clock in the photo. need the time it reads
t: 11:42
